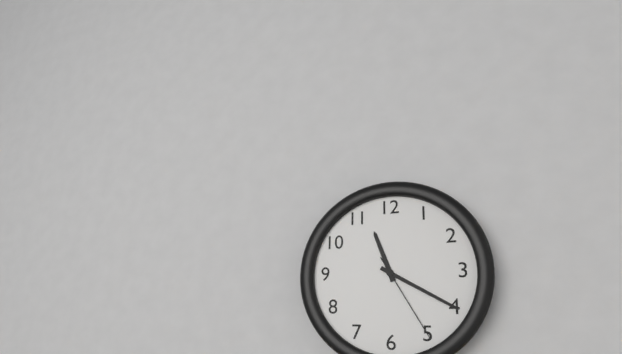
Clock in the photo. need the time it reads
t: 11:20:25
